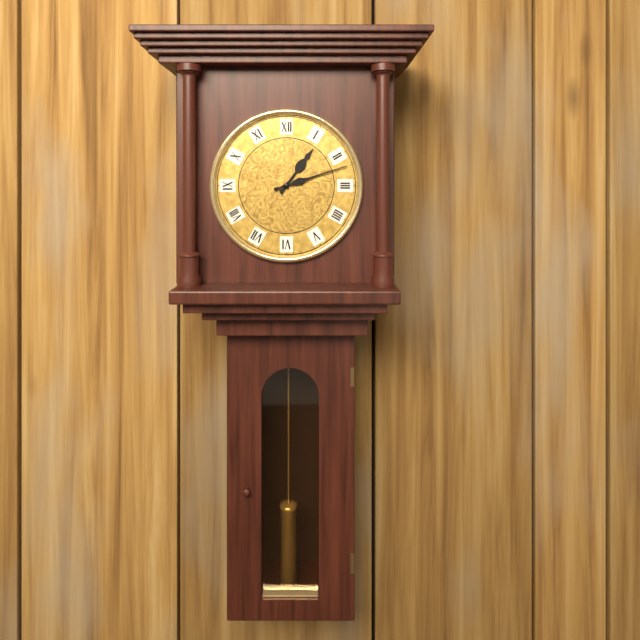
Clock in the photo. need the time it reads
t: 1:12
